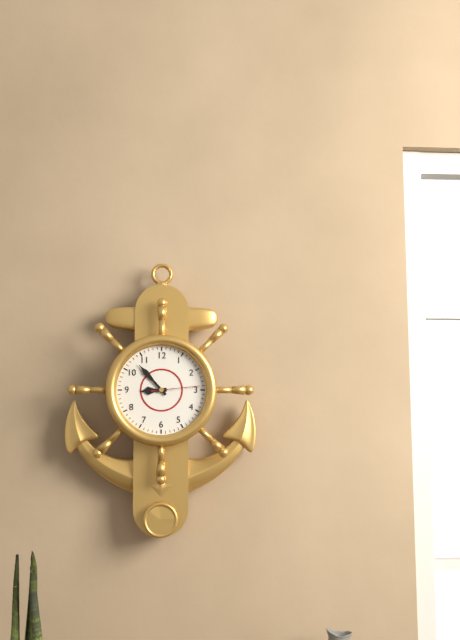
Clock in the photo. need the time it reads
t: 8:53
